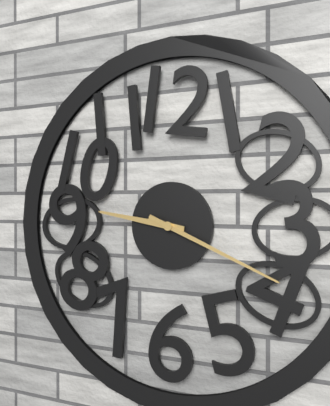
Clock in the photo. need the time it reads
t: 9:19
